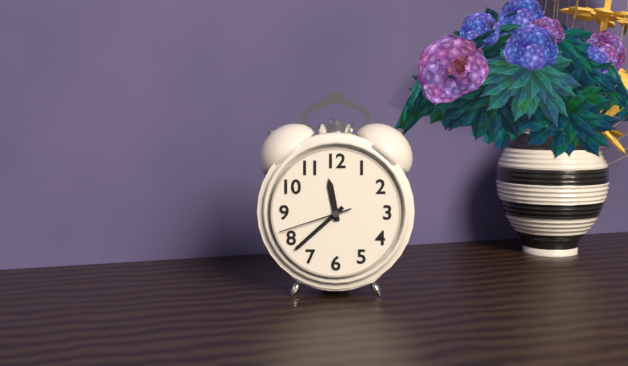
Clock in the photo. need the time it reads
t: 11:38:42
